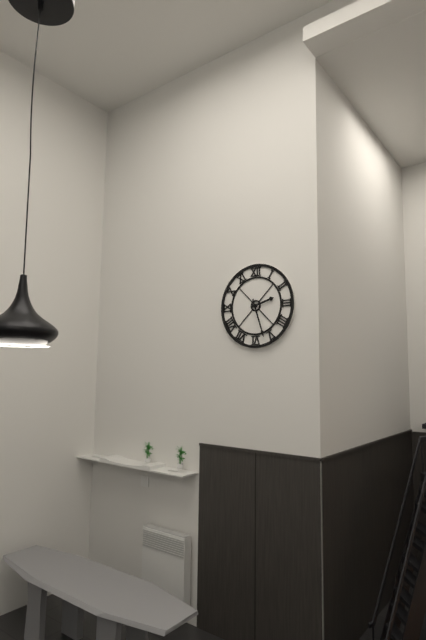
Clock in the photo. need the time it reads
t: 2:27
